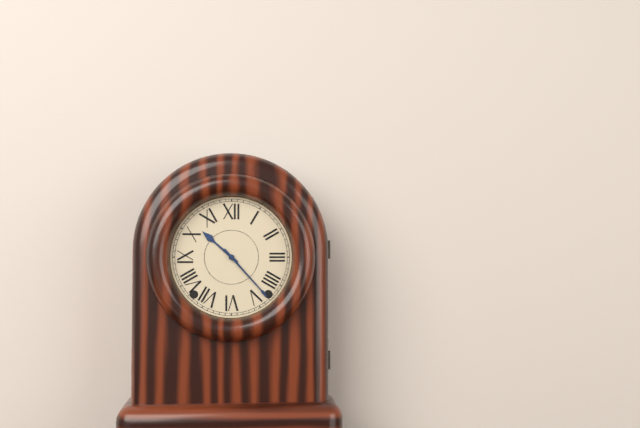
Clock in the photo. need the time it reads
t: 10:23
